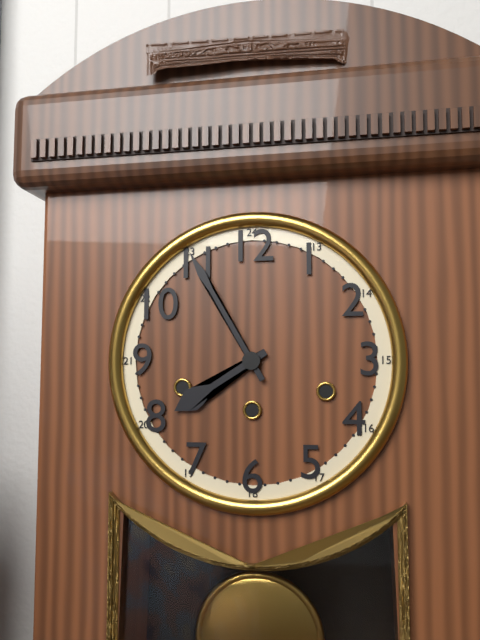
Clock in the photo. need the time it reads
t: 7:55
